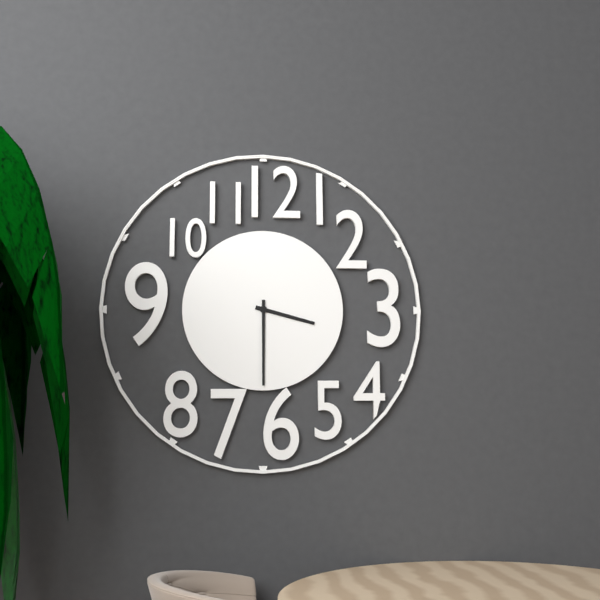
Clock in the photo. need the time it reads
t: 3:30
